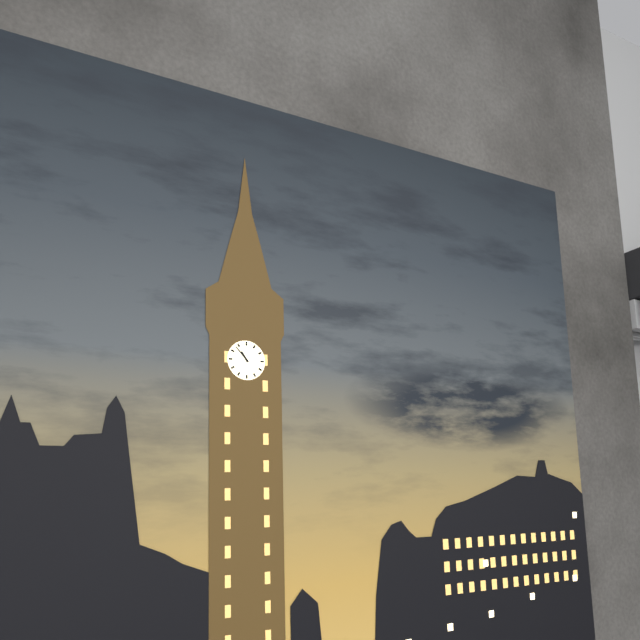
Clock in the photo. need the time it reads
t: 10:53
